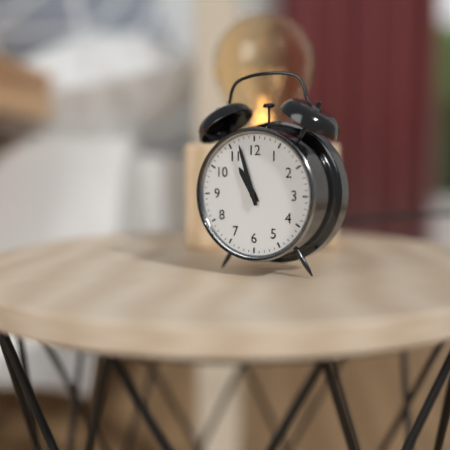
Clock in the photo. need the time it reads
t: 10:57
